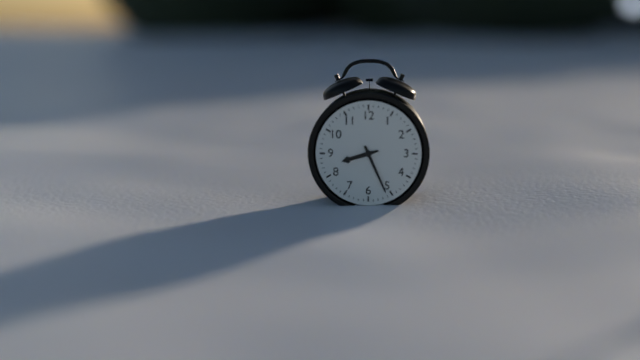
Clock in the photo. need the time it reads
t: 8:26
